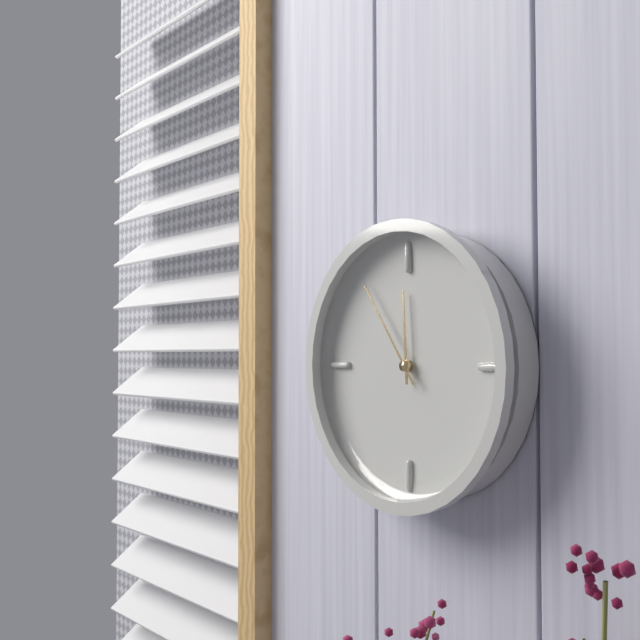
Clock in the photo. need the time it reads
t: 11:54
